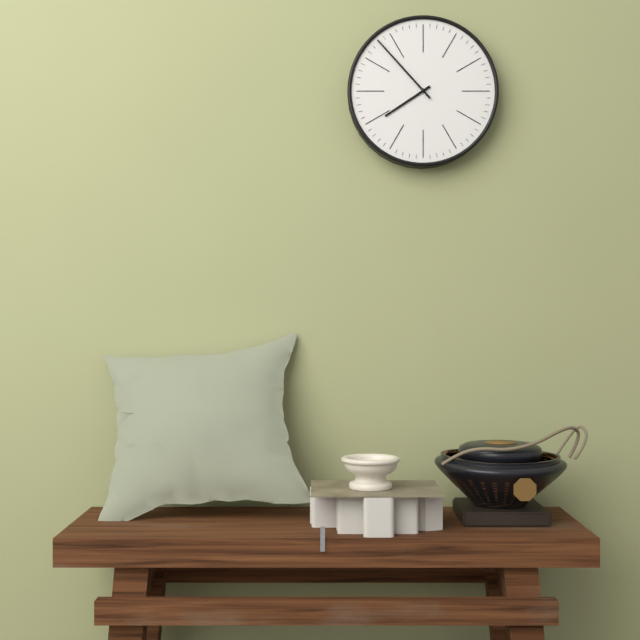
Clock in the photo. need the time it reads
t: 7:53
